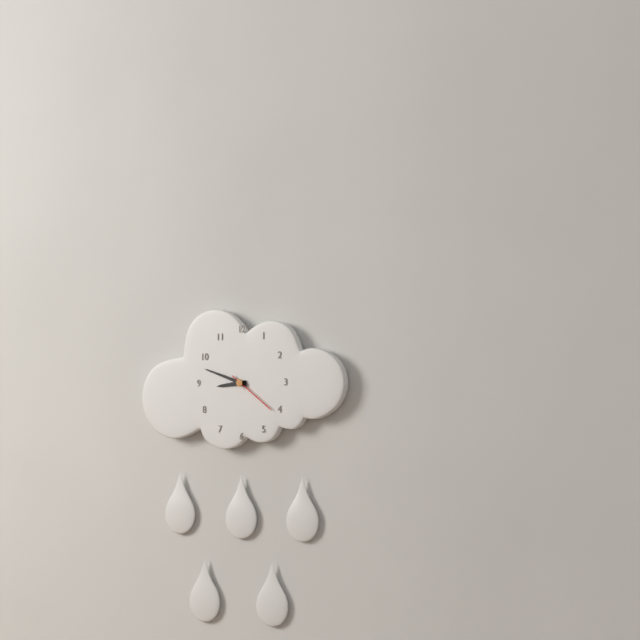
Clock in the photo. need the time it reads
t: 8:48:21
